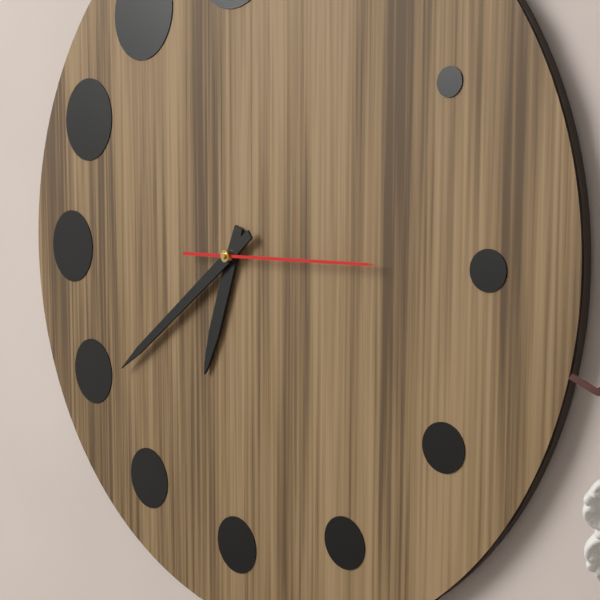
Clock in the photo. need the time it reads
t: 6:39:15
